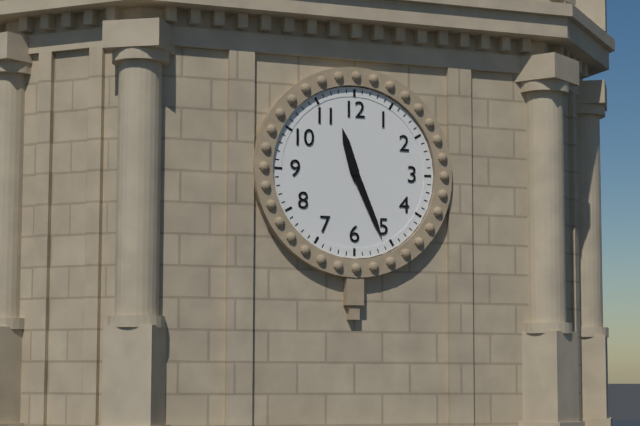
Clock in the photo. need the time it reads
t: 11:26
